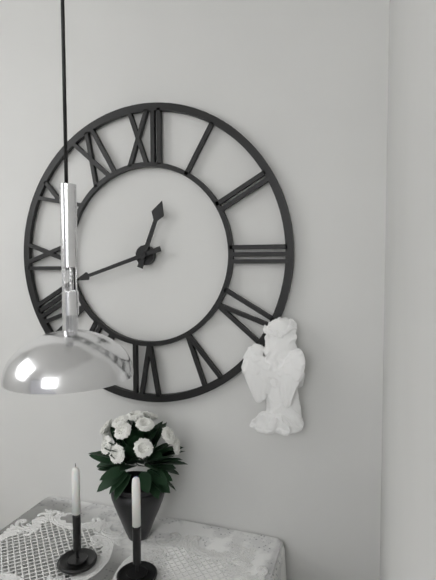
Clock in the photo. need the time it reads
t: 12:42
